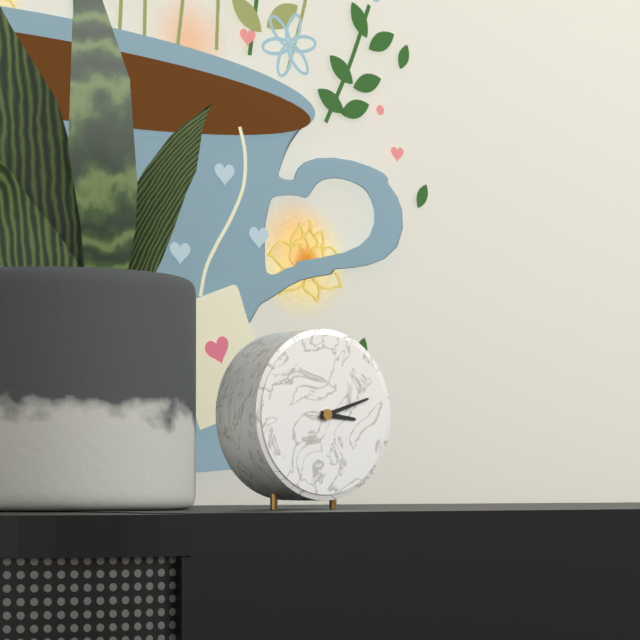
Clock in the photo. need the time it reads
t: 3:12
